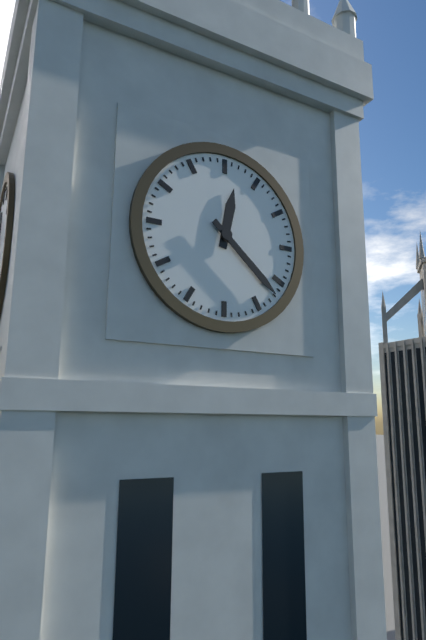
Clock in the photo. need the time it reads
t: 12:22
